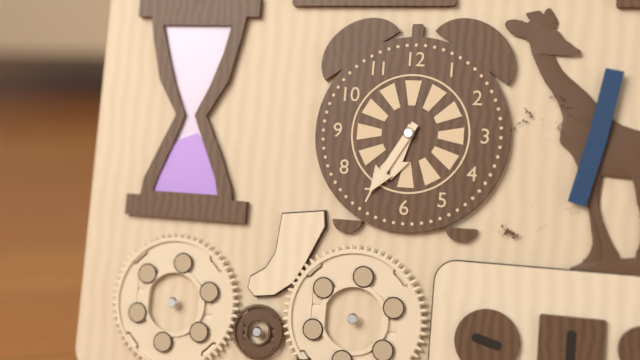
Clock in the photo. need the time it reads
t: 6:35
